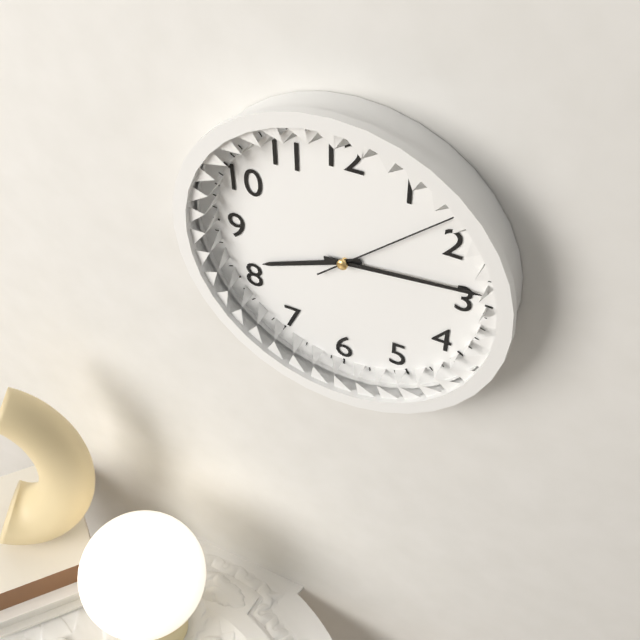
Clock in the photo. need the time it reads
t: 8:14:08
